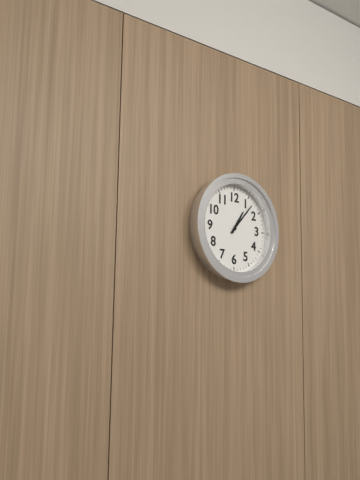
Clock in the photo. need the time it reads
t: 1:07
